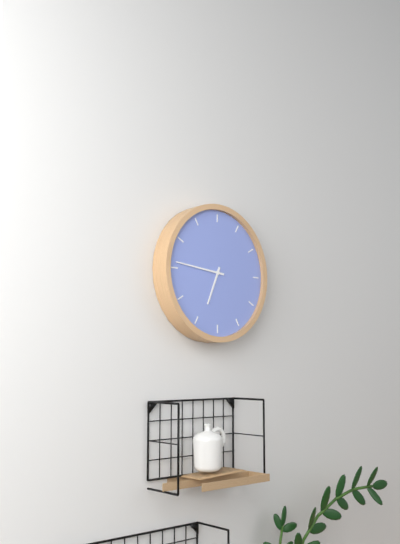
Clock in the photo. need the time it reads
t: 6:46
